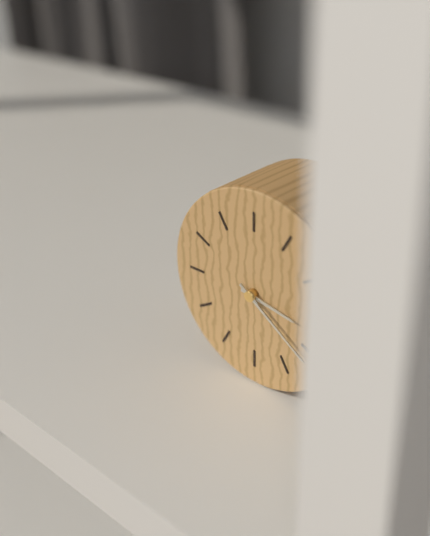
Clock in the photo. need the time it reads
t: 3:21
